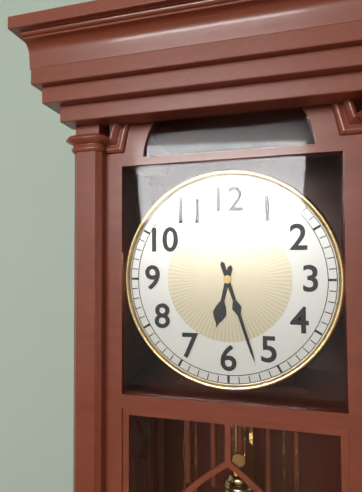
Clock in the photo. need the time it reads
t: 6:27
